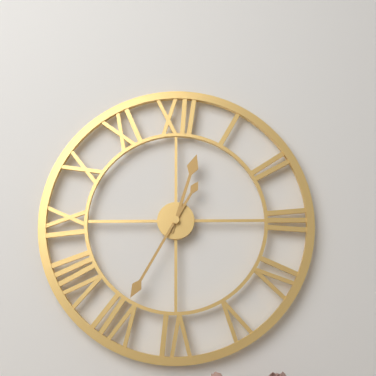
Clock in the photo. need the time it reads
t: 12:35
